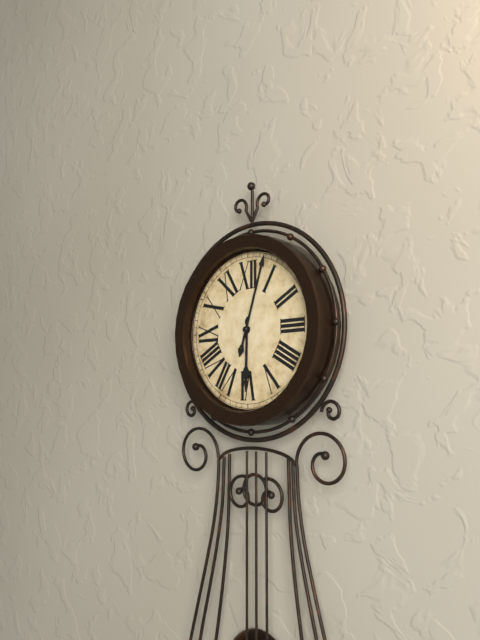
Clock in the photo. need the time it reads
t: 6:03
